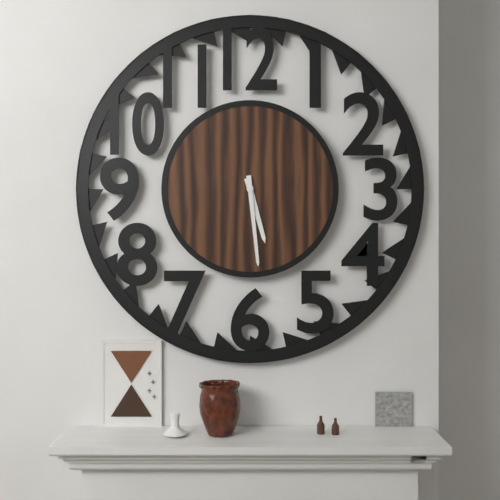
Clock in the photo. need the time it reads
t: 5:29
